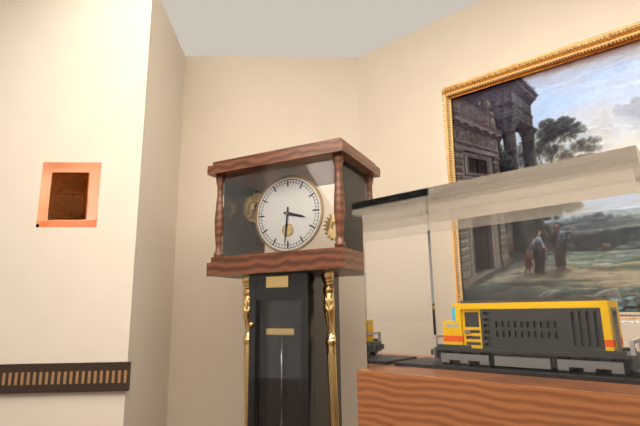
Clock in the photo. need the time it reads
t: 3:31
